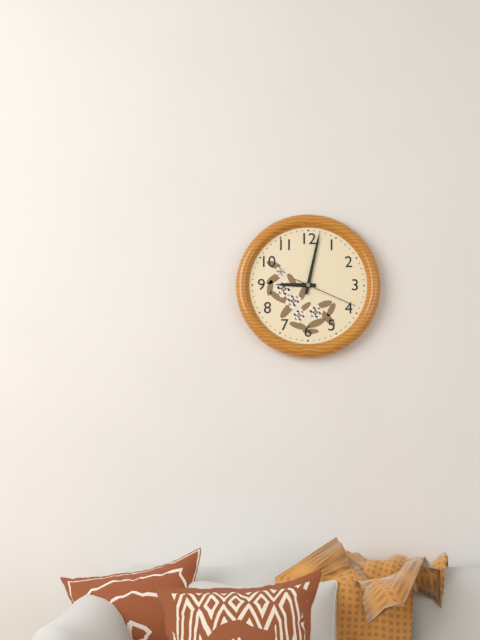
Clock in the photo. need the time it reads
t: 9:02:19
